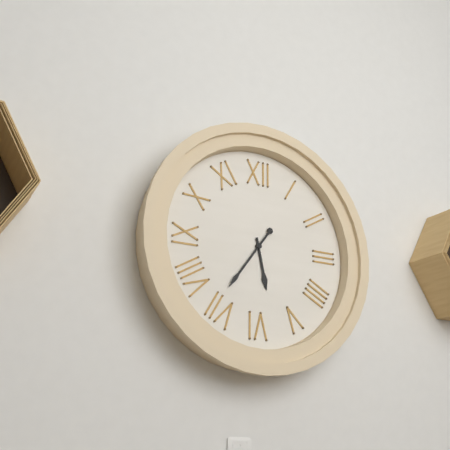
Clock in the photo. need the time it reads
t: 5:36
